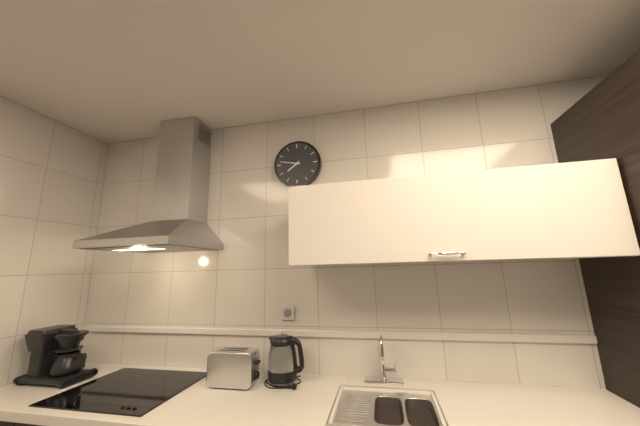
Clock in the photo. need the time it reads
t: 7:47
